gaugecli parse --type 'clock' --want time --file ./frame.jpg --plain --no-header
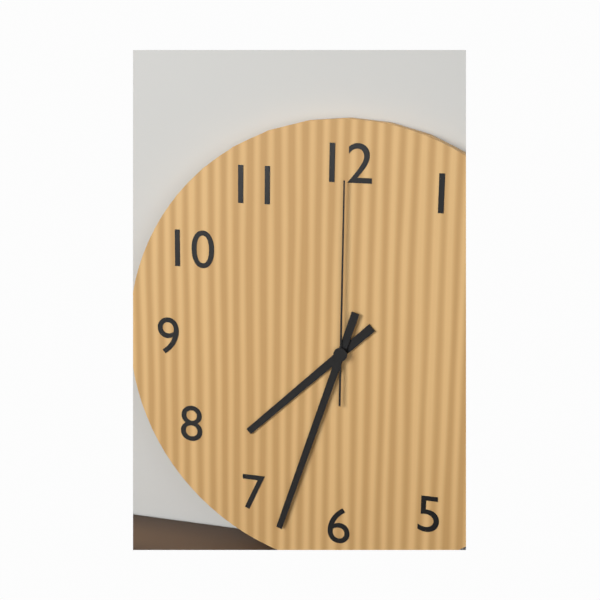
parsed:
7:33:00
